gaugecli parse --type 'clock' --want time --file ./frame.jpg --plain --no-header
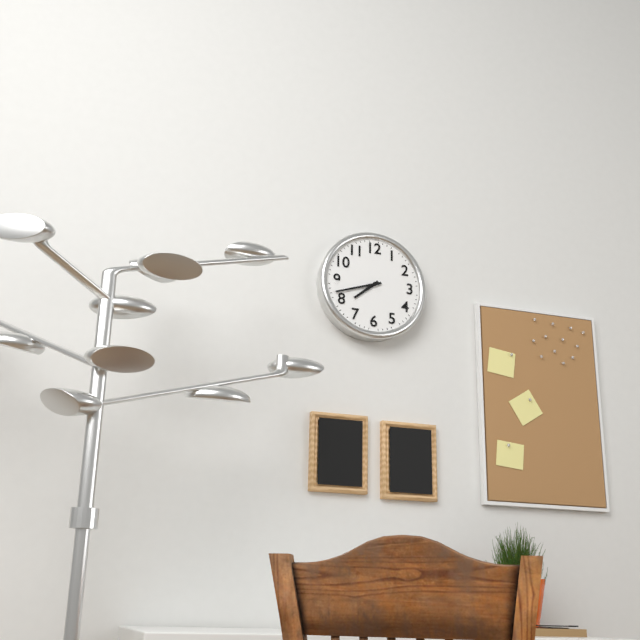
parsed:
7:42
